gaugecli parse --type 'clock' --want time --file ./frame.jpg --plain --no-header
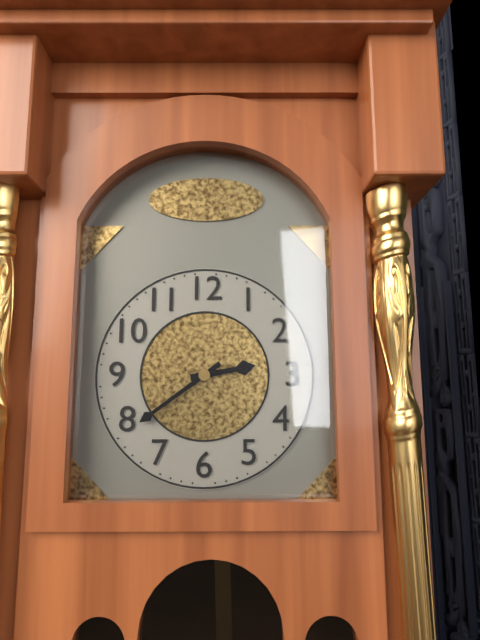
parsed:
2:39
